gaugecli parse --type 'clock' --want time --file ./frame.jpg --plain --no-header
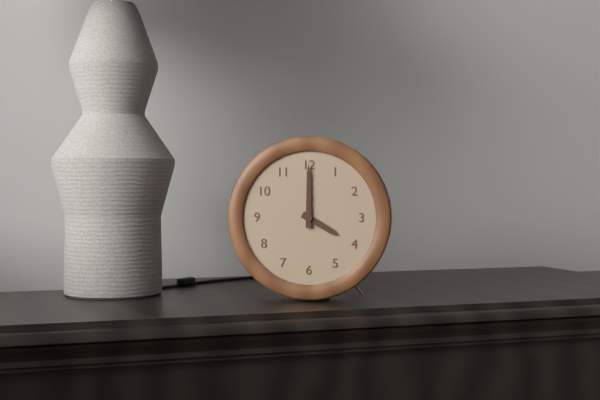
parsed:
4:00
